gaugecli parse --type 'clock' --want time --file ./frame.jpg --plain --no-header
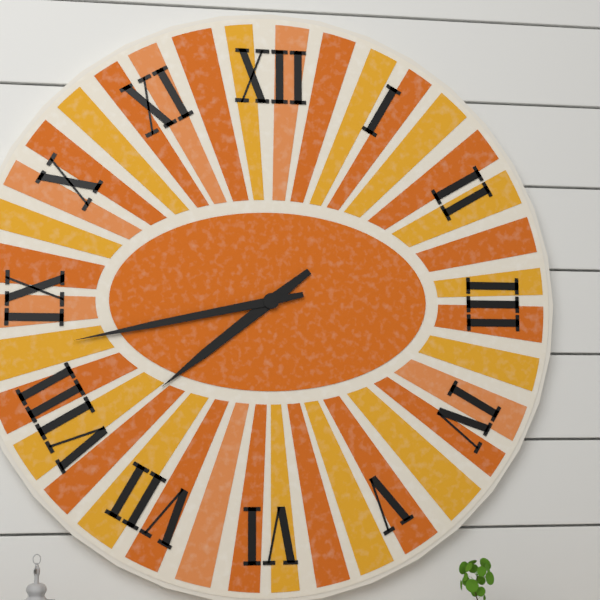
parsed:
7:43
